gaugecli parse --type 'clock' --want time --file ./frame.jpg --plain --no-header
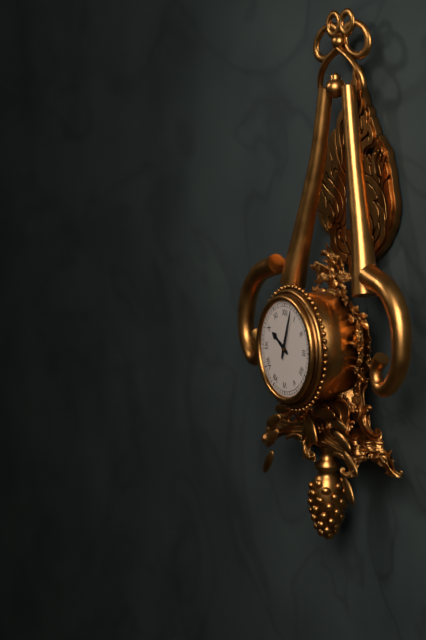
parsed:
10:03
